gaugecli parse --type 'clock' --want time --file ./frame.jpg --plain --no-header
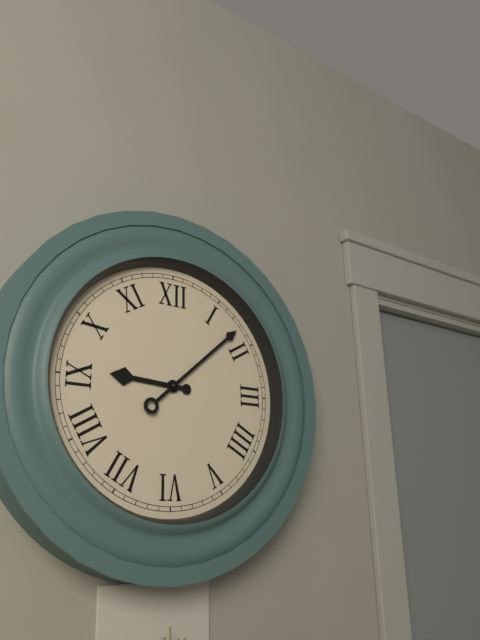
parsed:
9:08
